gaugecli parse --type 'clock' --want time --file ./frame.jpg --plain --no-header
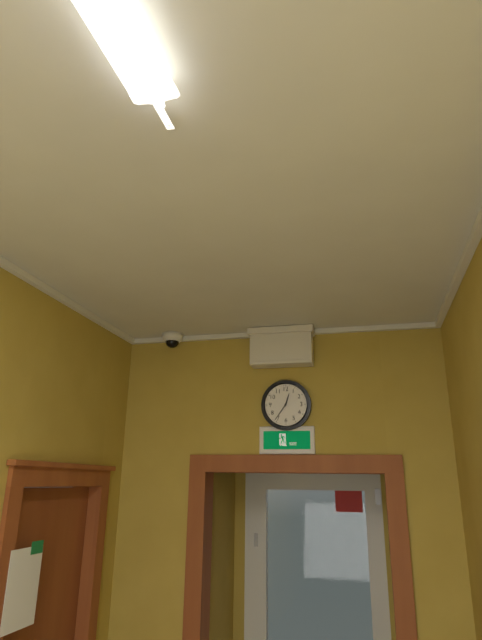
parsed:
12:36
